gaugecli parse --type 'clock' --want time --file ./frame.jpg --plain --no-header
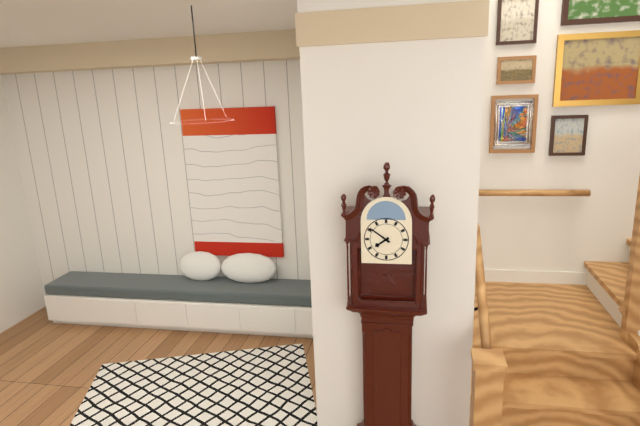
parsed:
7:51
